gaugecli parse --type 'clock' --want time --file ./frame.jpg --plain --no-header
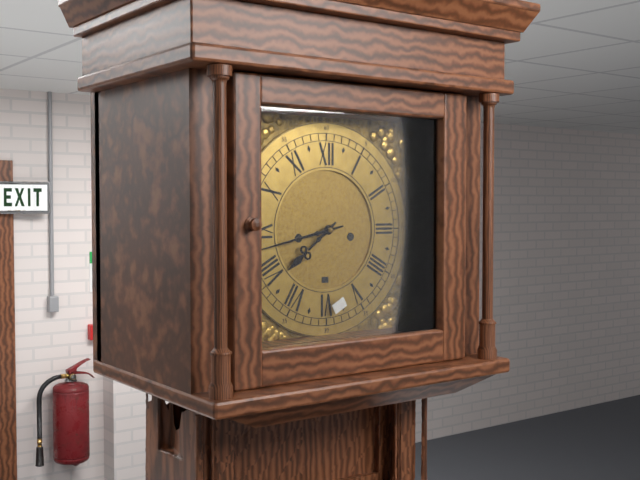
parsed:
7:43
